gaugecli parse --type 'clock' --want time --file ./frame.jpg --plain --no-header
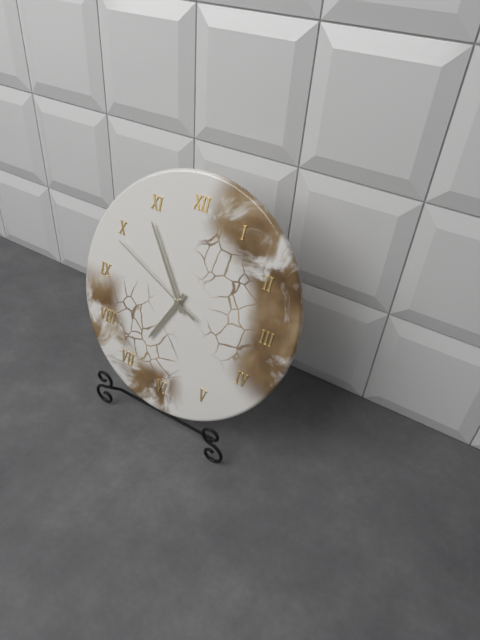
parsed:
6:54:49
